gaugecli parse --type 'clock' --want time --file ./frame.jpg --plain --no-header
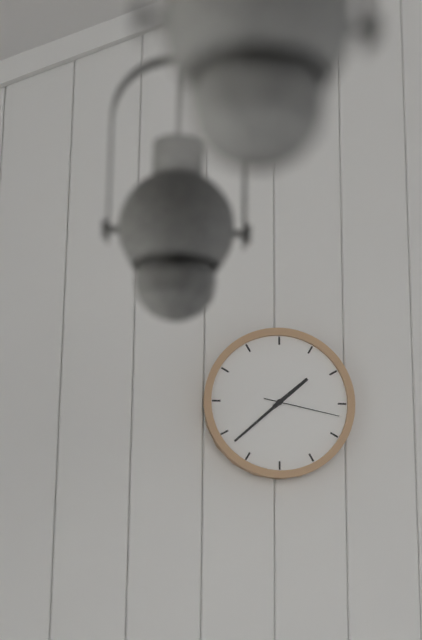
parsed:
1:38:17
